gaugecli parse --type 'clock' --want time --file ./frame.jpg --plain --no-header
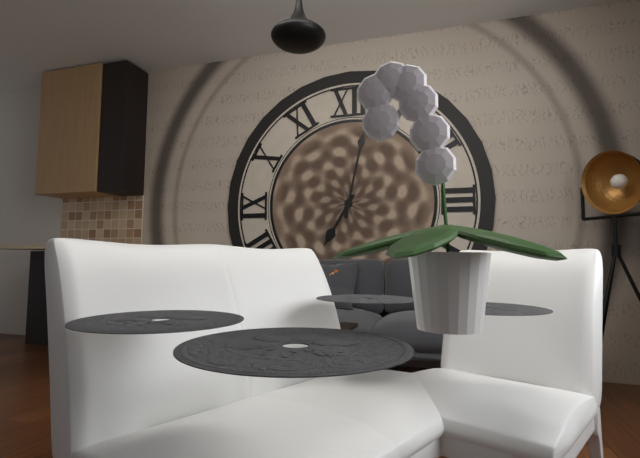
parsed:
7:02
